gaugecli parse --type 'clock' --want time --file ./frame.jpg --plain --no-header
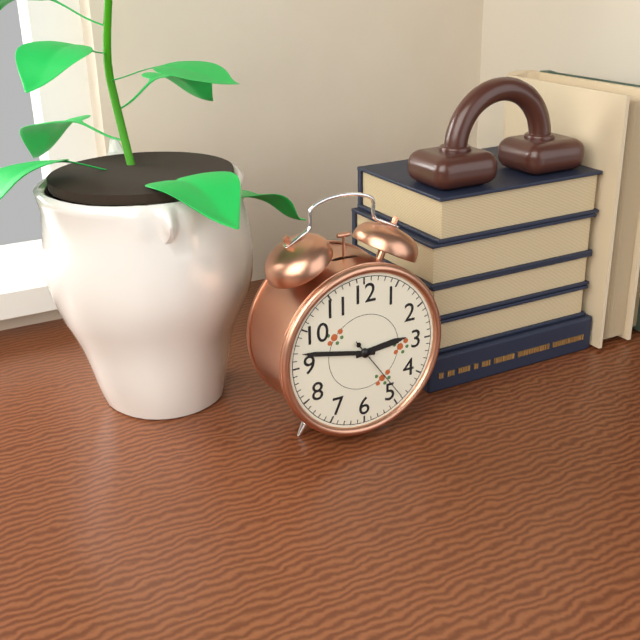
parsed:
2:47:24
